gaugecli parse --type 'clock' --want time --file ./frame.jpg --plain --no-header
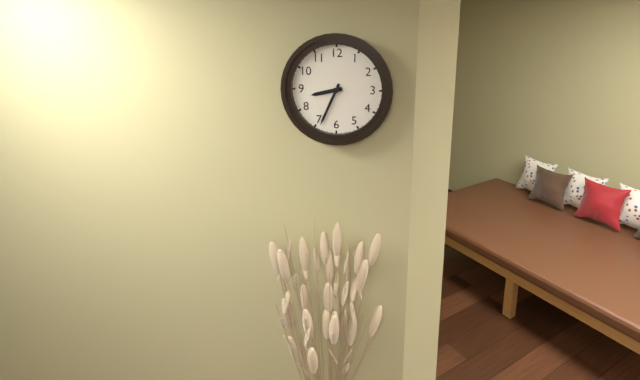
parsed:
8:34
